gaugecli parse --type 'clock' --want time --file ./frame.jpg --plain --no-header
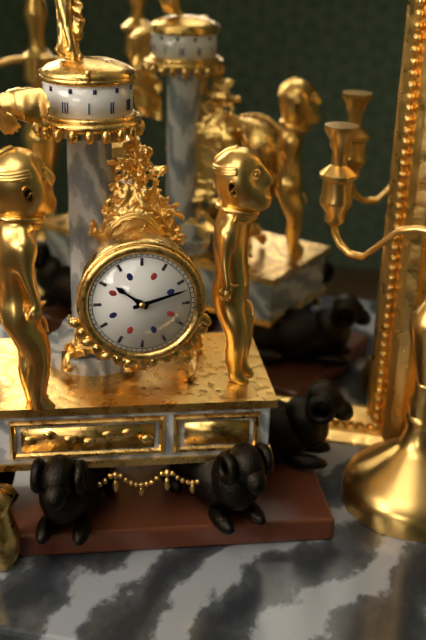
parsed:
10:12
